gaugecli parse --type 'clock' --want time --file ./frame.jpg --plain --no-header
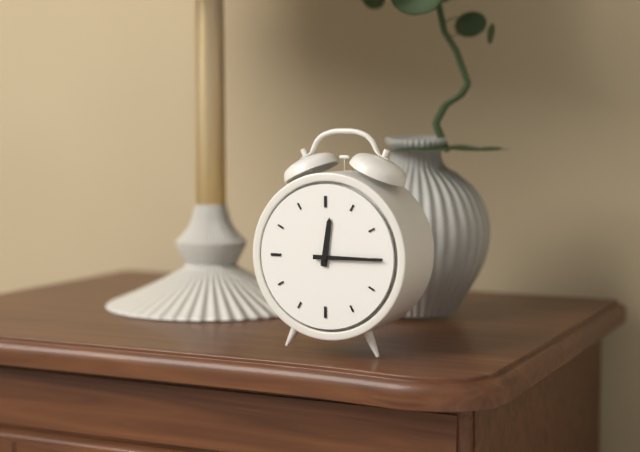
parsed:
12:15
